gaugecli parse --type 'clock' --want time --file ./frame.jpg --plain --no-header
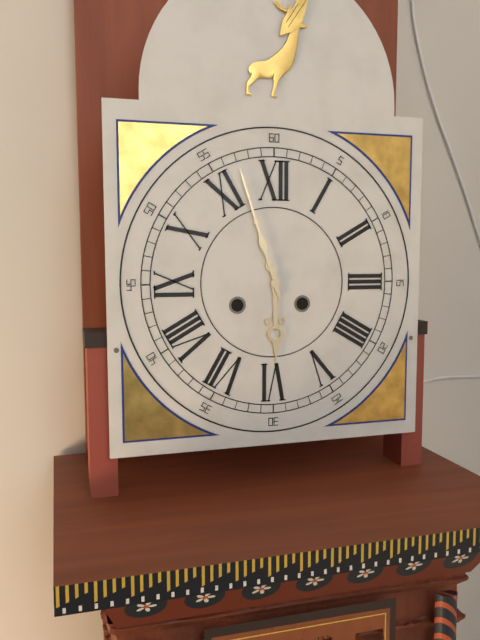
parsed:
5:57
